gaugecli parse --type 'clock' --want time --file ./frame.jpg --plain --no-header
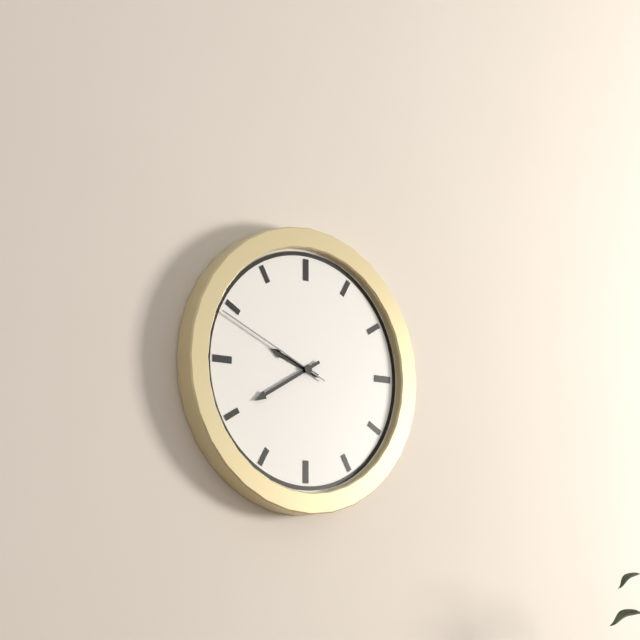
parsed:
9:40:49
